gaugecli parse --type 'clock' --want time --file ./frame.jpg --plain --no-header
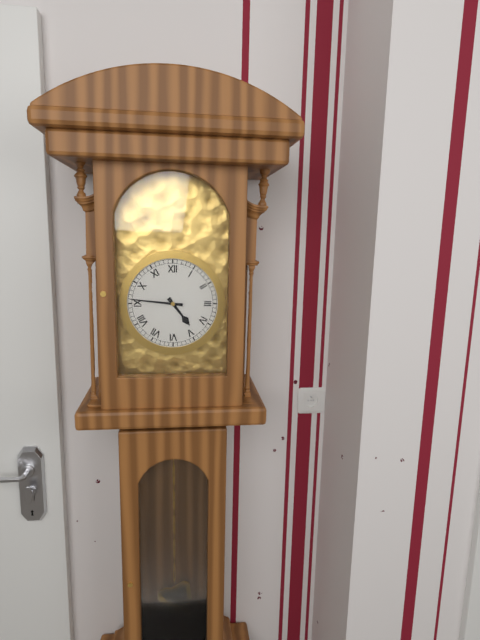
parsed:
4:46
